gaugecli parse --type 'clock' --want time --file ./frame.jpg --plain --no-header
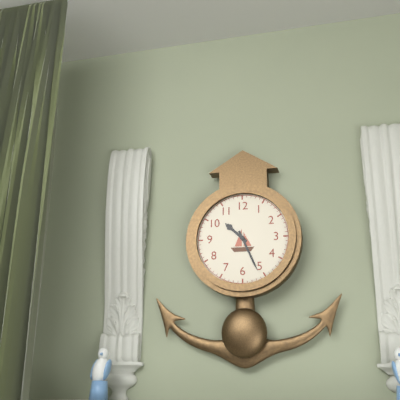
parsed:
10:26
